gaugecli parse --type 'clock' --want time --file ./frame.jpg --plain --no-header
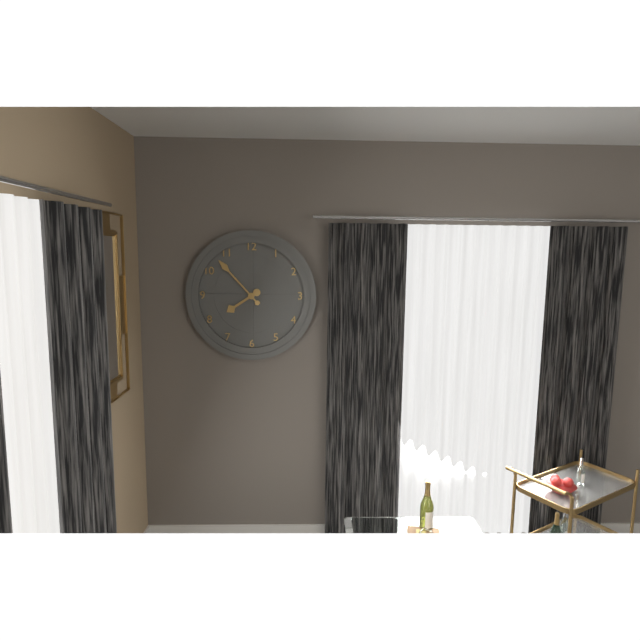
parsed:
7:53
